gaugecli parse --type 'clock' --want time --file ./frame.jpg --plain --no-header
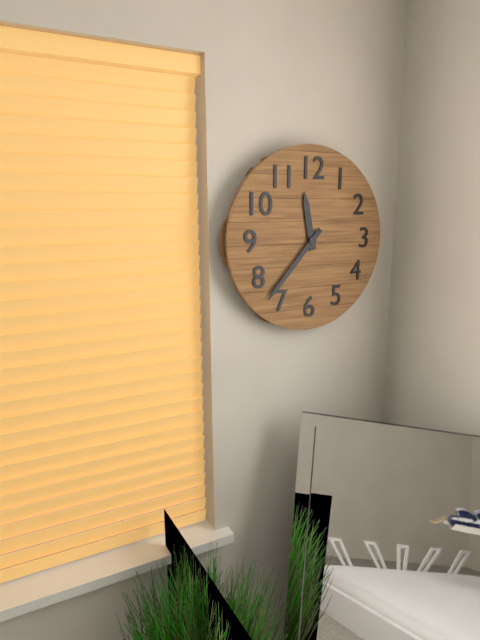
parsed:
11:37
